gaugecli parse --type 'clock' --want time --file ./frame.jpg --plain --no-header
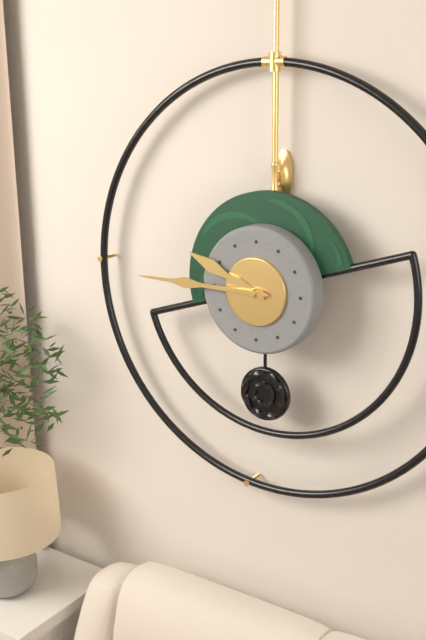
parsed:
9:45
